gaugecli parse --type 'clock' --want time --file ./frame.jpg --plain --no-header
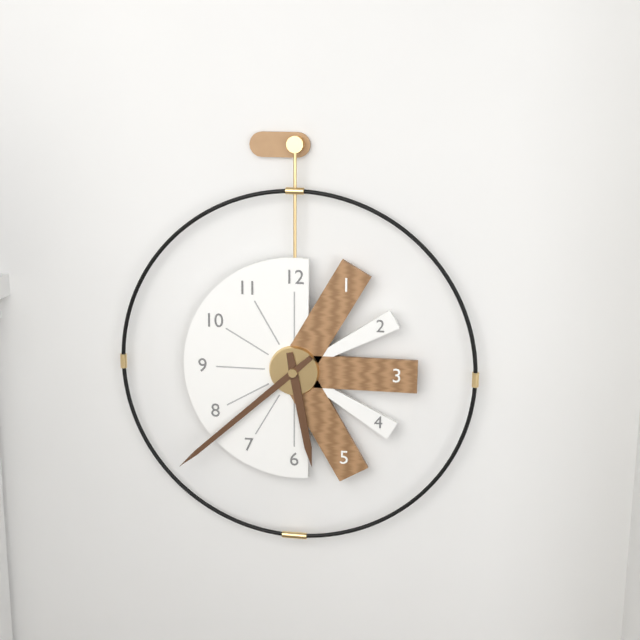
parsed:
5:38
